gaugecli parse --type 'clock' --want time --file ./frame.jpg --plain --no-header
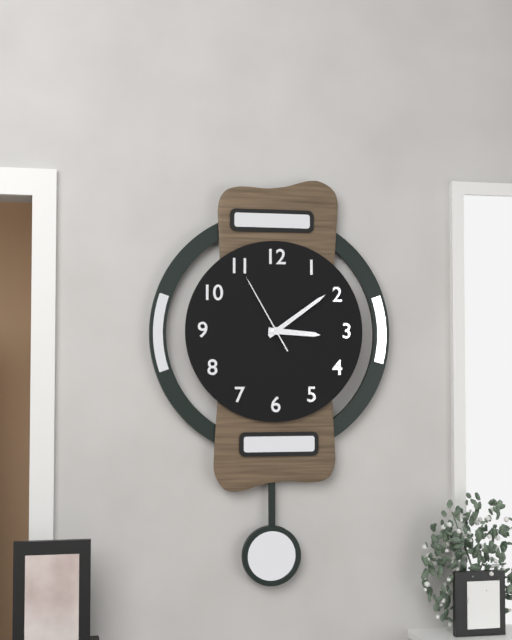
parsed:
3:09:55
